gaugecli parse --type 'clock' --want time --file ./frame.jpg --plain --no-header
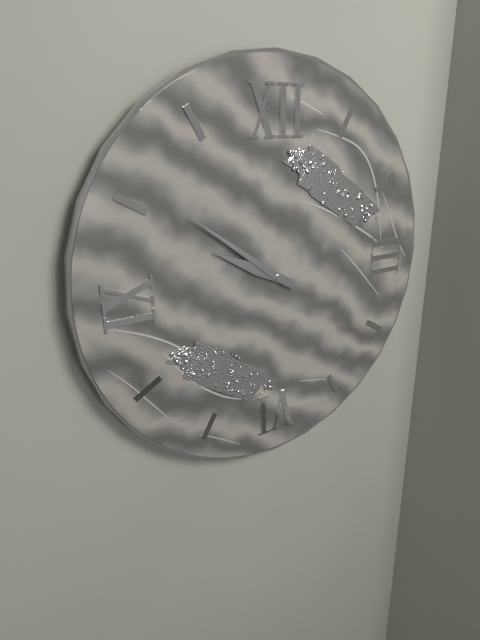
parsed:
9:51
